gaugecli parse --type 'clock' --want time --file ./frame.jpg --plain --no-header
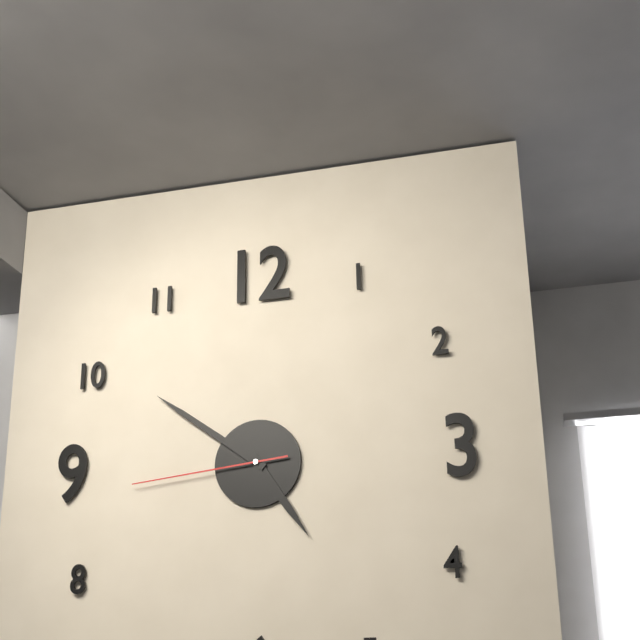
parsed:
4:51:44
